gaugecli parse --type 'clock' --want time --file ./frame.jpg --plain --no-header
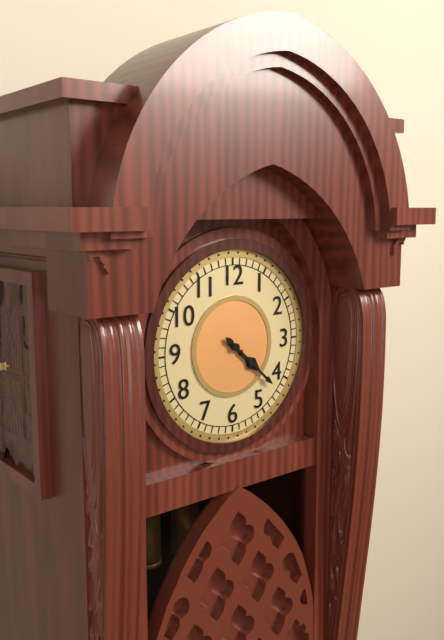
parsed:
4:22
